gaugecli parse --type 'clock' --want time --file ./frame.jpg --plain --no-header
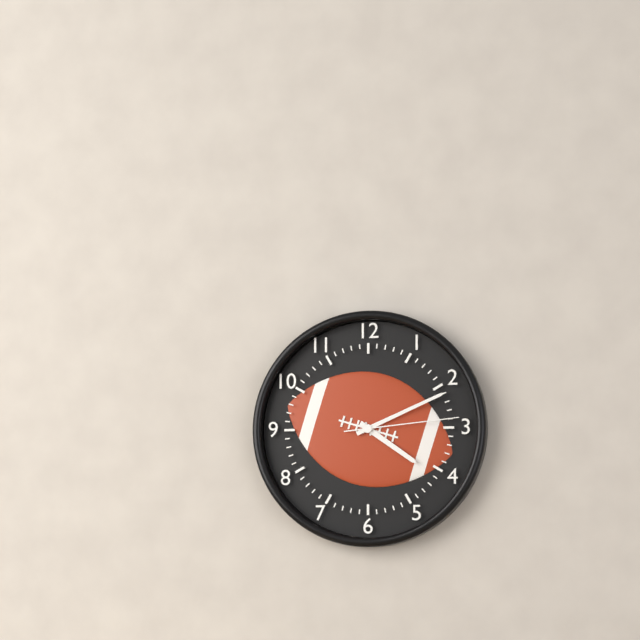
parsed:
4:11:14
